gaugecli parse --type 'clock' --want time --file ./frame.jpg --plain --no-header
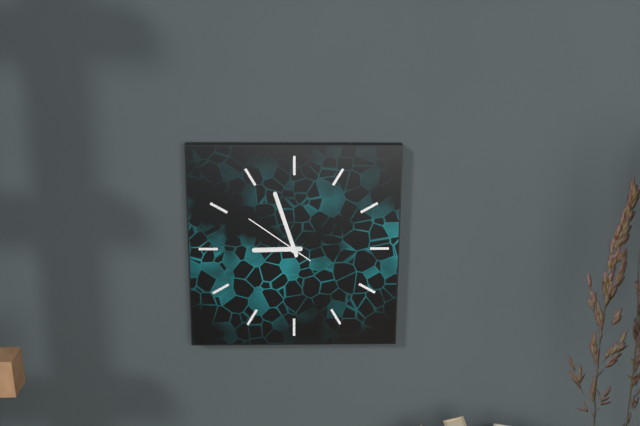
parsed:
8:57:51
